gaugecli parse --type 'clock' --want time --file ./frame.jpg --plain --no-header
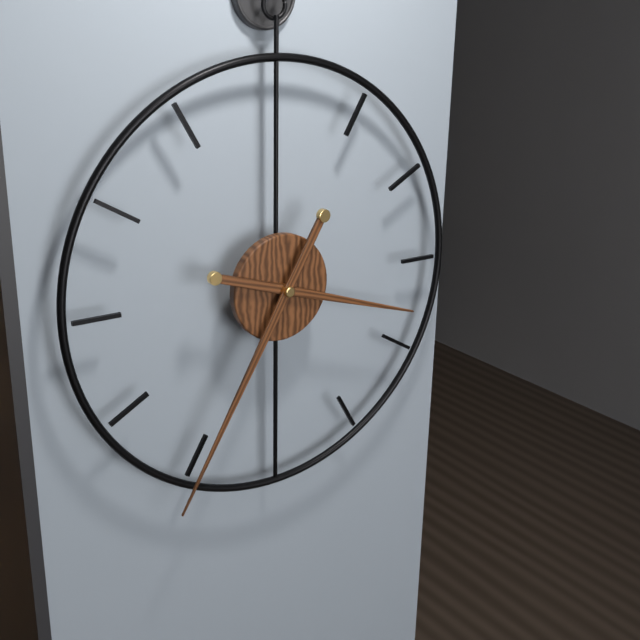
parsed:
3:35
